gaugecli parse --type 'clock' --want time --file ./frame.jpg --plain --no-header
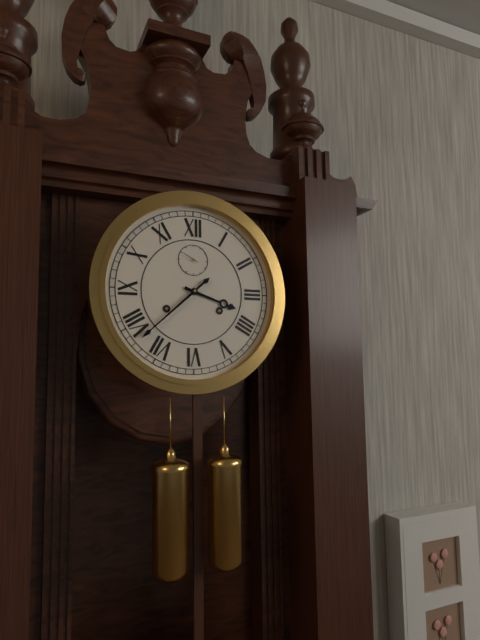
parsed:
3:38
